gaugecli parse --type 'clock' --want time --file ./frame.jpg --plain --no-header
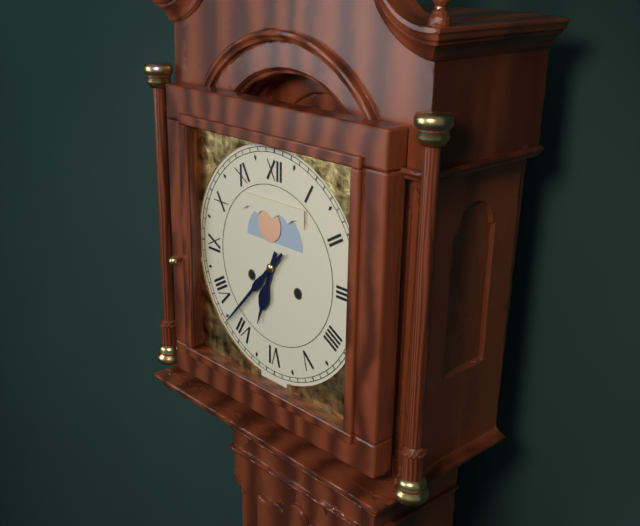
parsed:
6:37
